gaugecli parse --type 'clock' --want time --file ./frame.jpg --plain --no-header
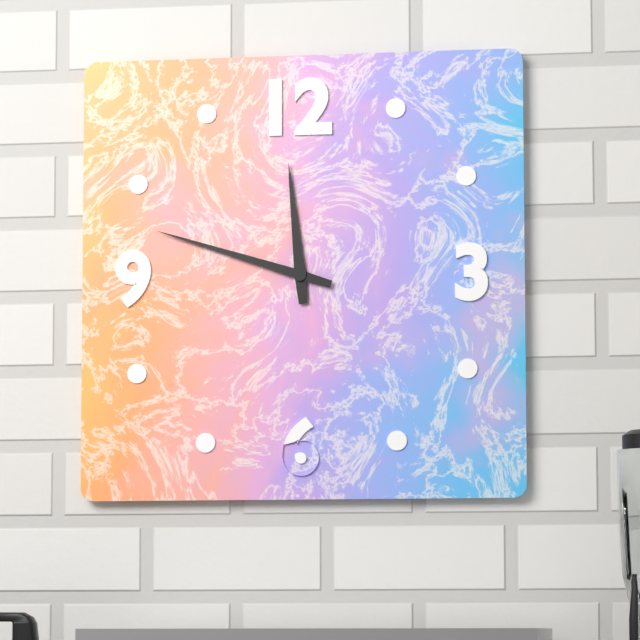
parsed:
11:48
